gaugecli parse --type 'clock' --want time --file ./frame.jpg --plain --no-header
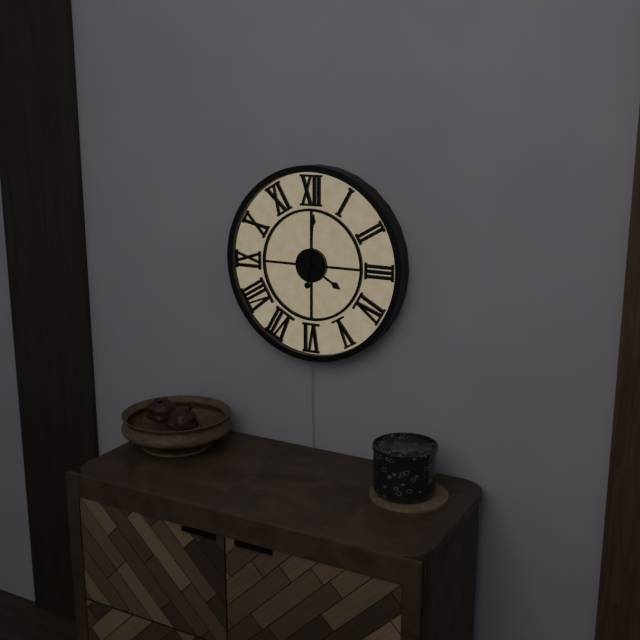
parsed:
4:01
